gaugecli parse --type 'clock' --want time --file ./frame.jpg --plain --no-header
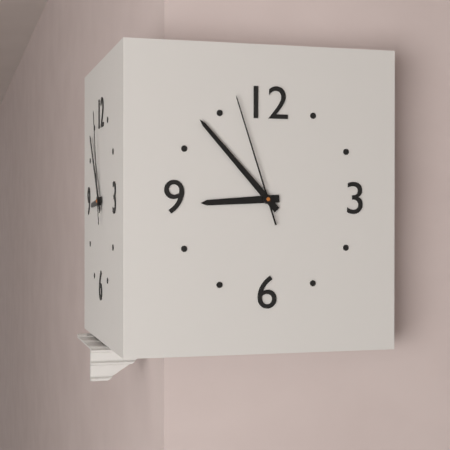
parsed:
8:53:57
